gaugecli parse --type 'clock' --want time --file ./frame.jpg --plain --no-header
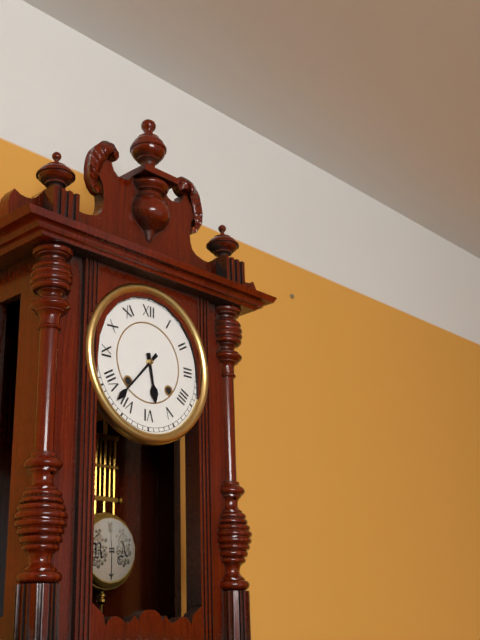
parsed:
5:37
